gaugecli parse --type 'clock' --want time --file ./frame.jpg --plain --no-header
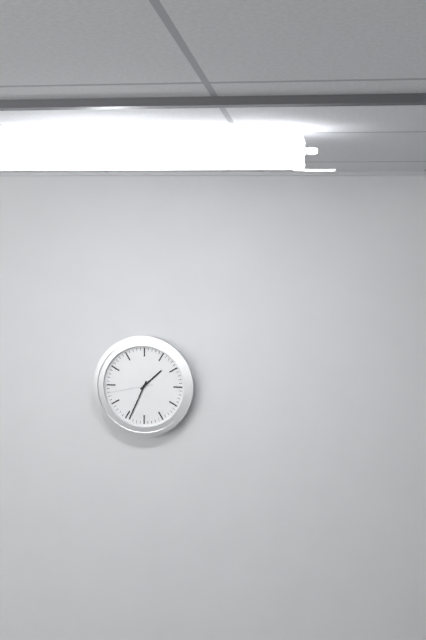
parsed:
1:34
